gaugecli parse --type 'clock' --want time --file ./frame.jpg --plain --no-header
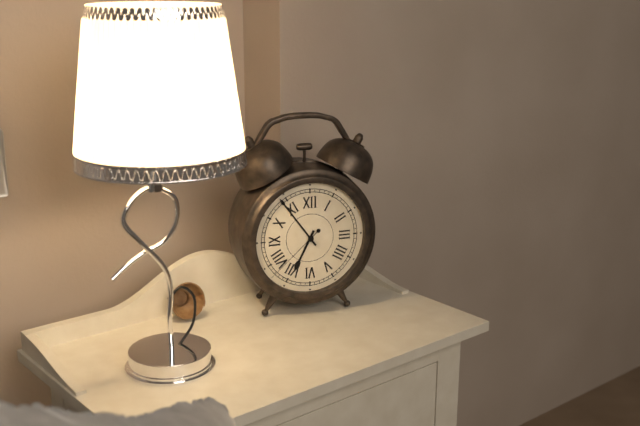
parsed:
6:54:38
